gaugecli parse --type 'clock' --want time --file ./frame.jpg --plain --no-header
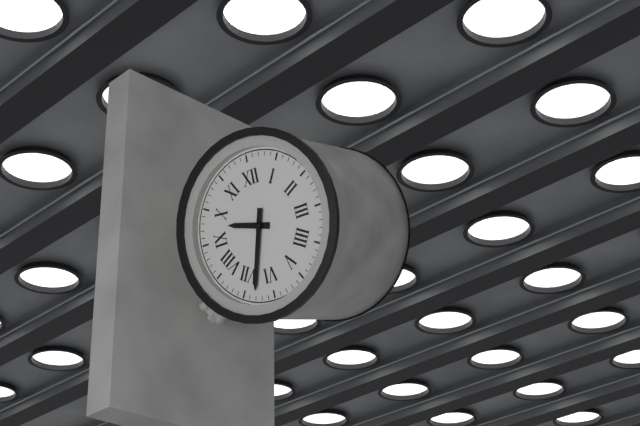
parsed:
9:33
